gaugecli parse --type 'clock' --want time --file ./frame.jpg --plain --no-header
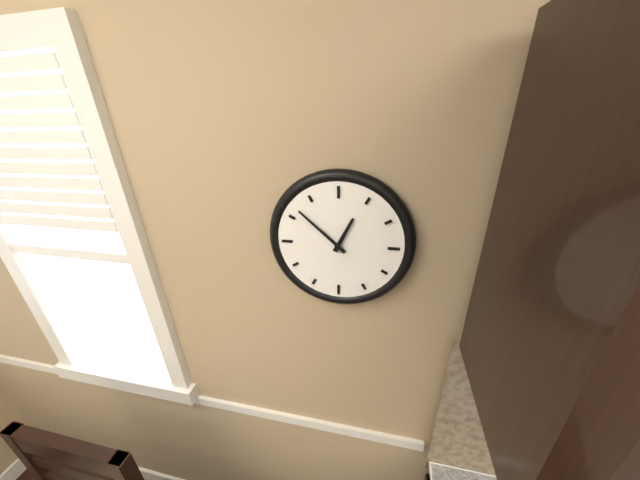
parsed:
12:52
